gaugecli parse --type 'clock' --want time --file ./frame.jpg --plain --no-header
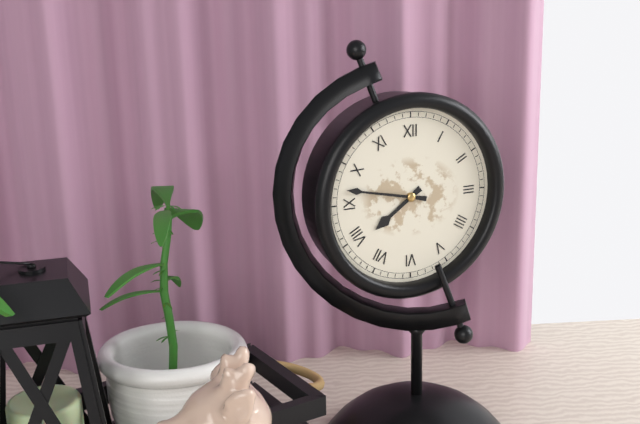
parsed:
7:47
